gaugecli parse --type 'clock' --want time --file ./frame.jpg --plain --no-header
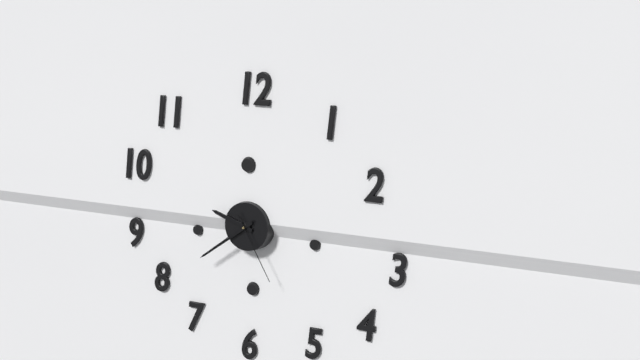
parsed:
9:39:25
